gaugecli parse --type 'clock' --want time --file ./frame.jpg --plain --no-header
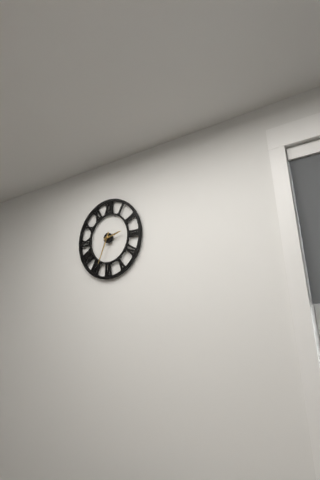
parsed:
2:34
